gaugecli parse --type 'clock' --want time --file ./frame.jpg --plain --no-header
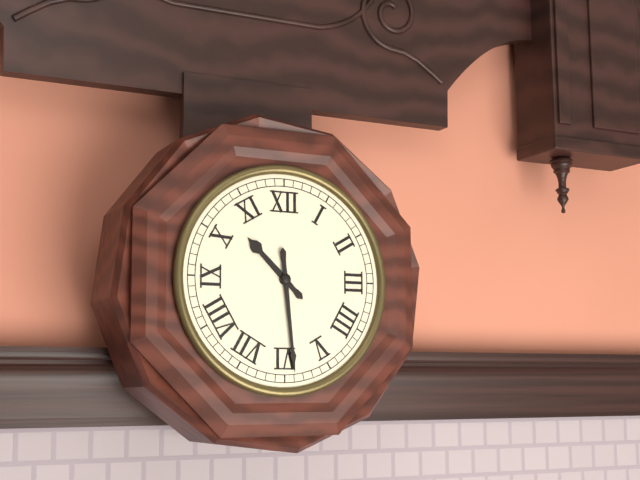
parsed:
10:29
